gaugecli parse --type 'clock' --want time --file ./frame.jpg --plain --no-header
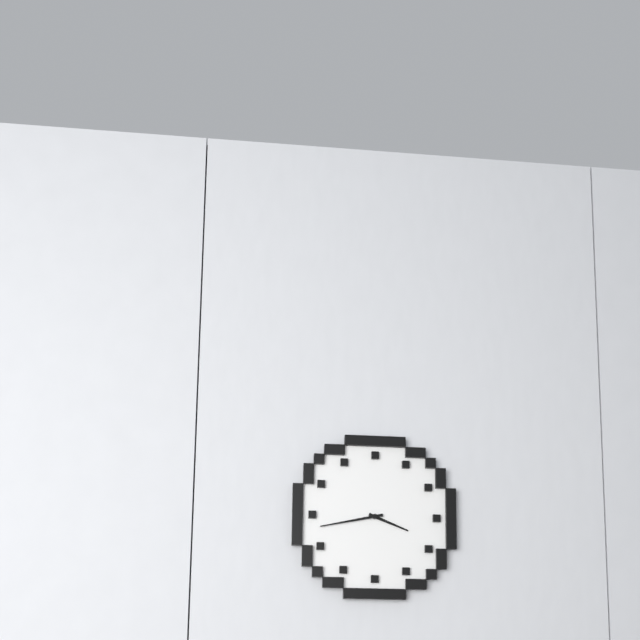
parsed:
3:43
